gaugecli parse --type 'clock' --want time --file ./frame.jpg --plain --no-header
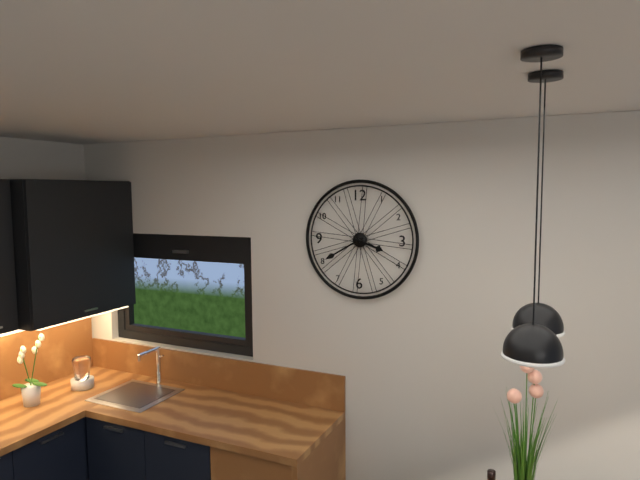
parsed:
3:40
